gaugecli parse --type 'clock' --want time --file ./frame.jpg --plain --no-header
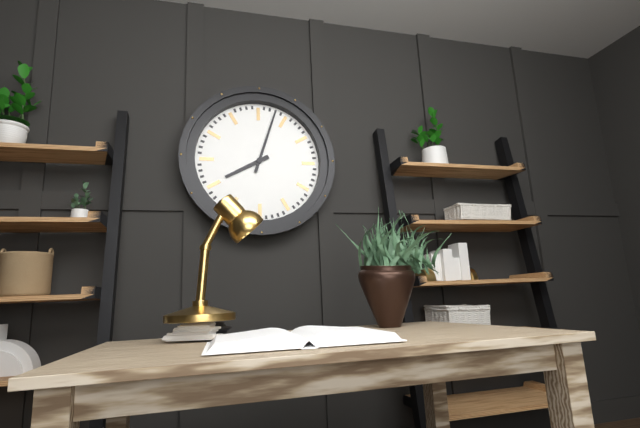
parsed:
8:03
